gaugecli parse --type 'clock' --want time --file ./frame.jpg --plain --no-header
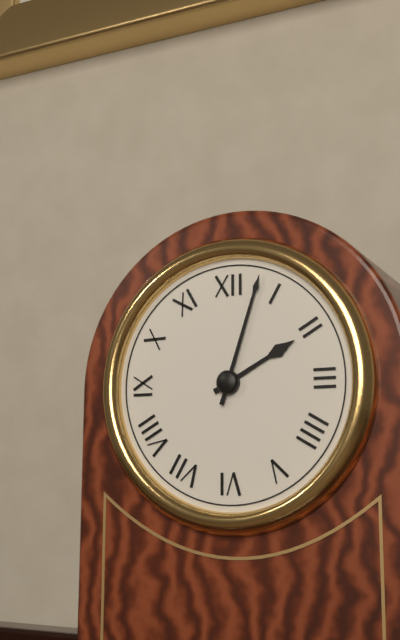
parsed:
2:03
